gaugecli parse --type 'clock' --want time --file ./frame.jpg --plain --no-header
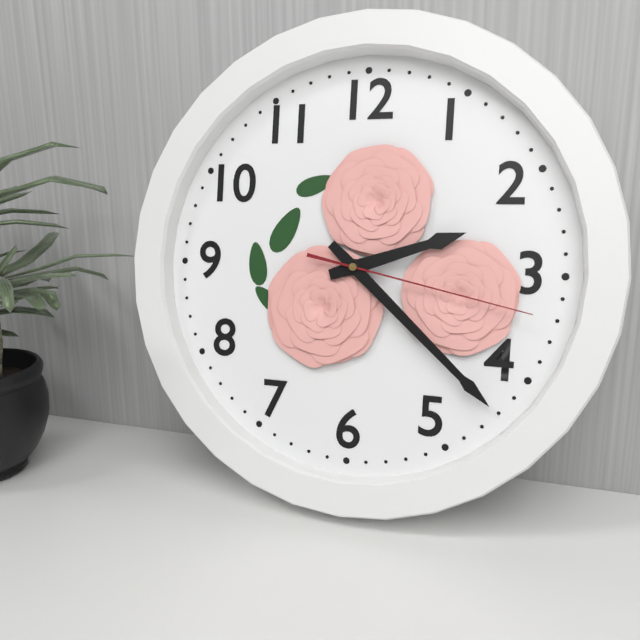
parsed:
2:22:17
